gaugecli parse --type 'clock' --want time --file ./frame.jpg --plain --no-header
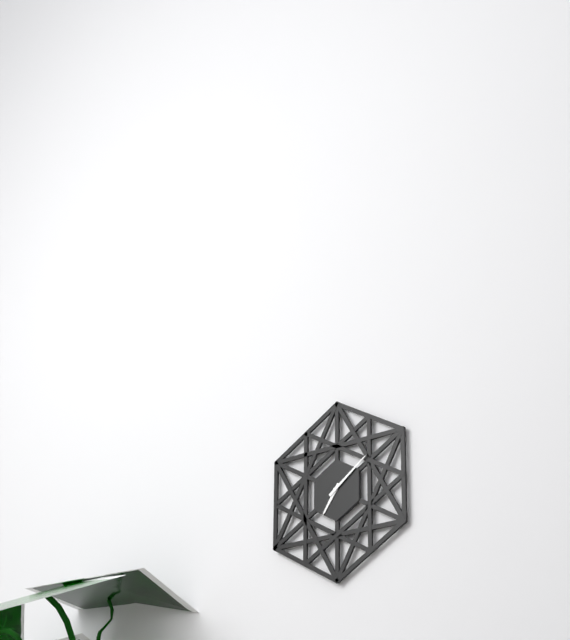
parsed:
7:09
